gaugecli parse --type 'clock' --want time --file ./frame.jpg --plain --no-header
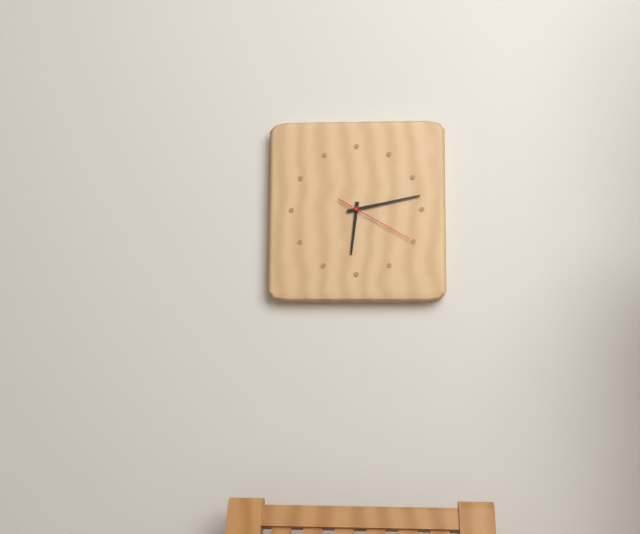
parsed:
6:13:20
